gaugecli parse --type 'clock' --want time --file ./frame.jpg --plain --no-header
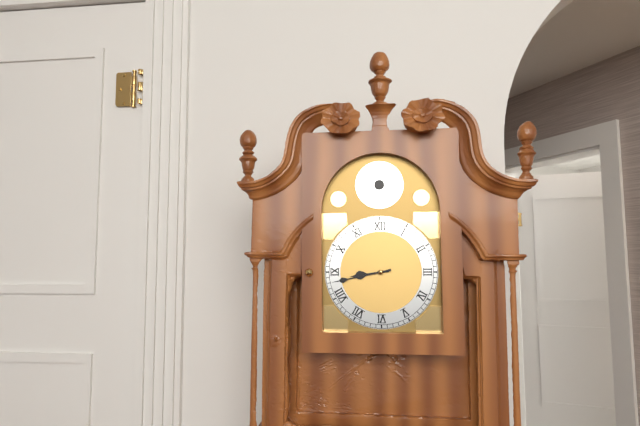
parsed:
8:43
